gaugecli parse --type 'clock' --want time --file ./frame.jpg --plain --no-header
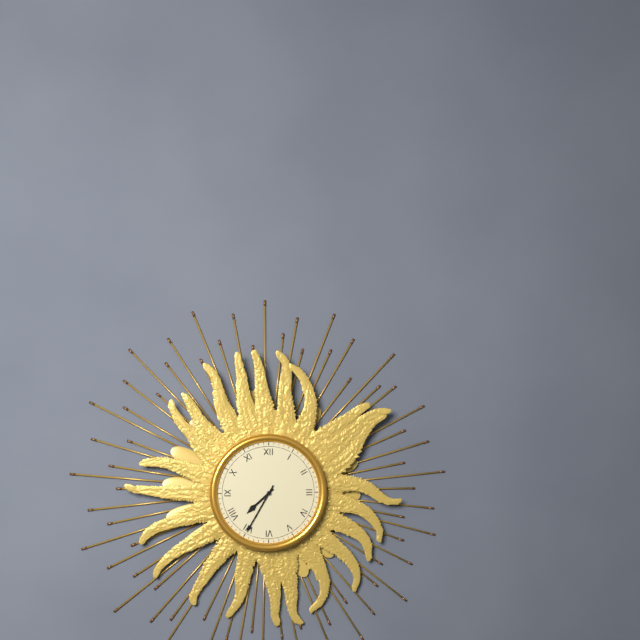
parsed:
7:35
